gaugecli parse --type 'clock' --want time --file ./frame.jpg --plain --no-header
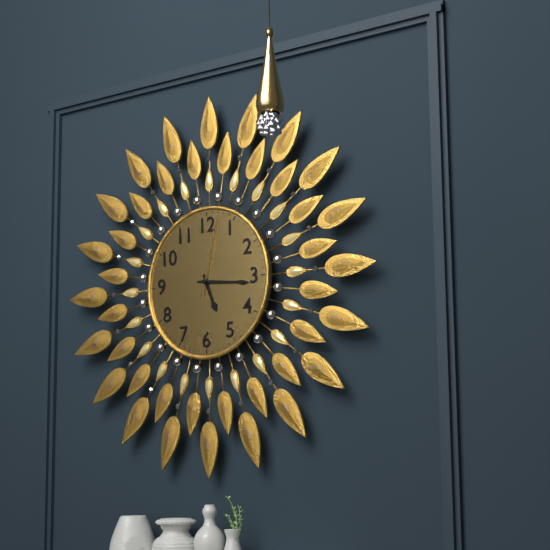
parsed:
5:16:02
